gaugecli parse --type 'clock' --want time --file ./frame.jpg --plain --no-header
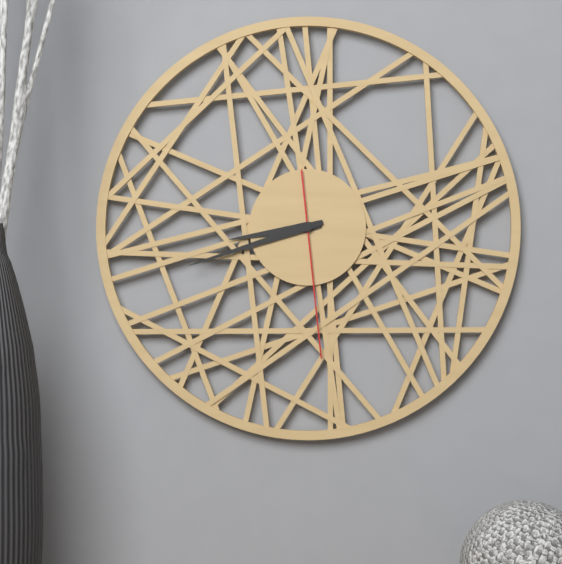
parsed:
8:42:29
